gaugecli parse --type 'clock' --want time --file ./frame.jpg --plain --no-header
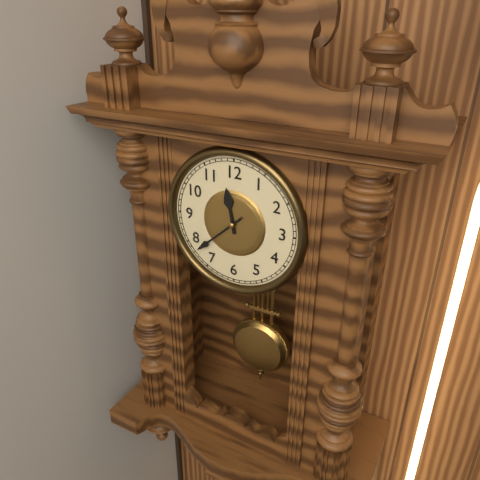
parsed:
11:38
